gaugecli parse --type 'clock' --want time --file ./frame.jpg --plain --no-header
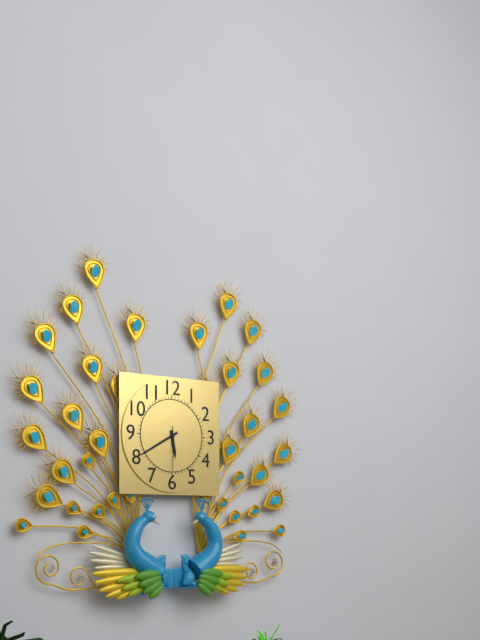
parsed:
5:40
